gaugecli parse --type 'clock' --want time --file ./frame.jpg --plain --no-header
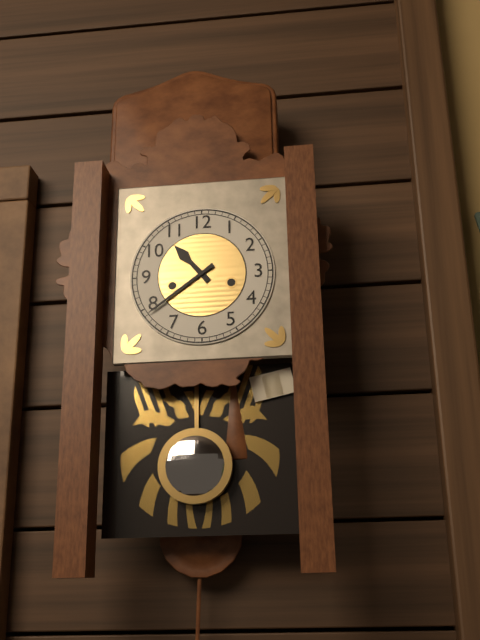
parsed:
10:39
